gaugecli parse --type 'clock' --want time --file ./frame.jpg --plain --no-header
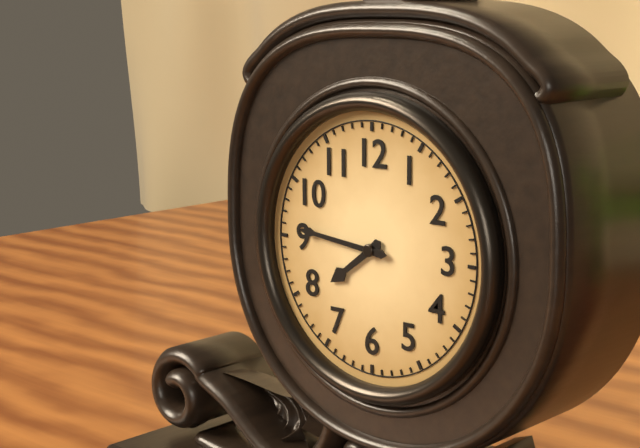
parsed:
7:46
